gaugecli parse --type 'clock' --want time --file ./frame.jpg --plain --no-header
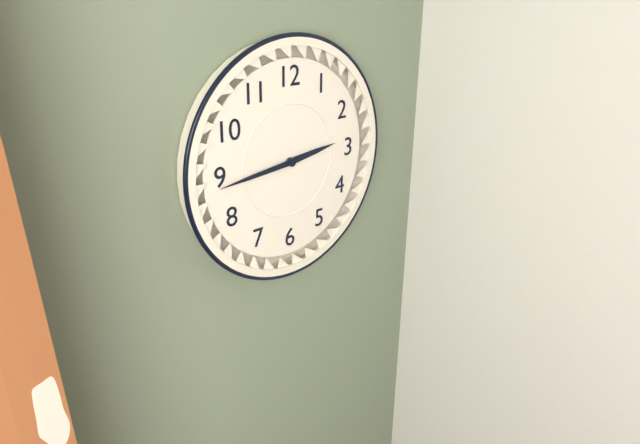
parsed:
2:44
